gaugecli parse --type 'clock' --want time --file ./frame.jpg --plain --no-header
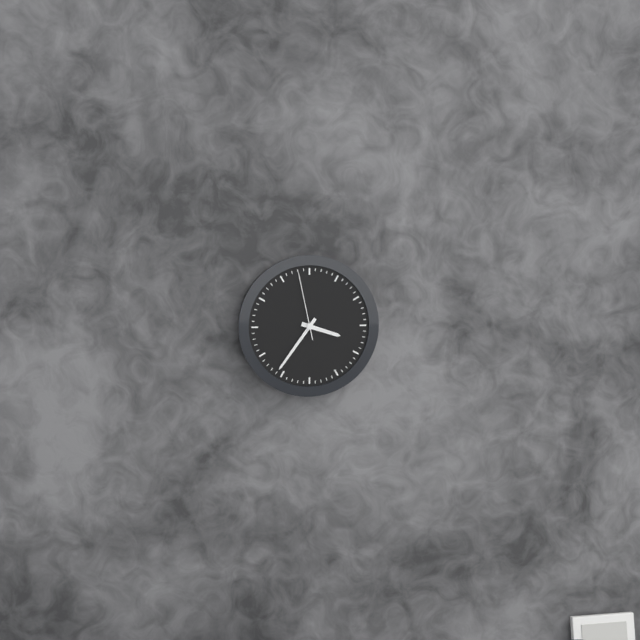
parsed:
3:36:58
